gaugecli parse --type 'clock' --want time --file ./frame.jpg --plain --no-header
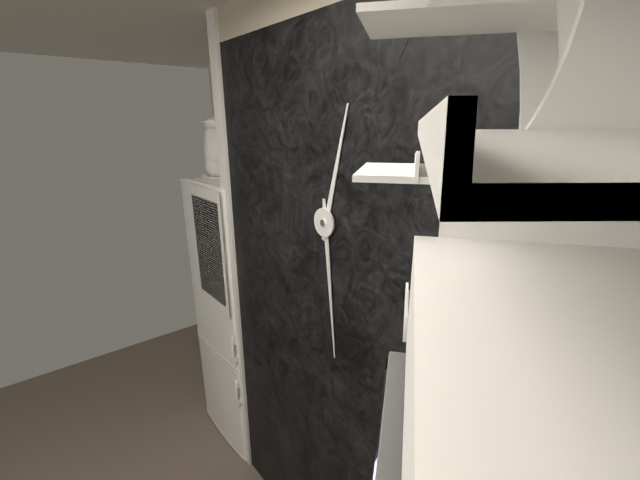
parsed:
12:29
